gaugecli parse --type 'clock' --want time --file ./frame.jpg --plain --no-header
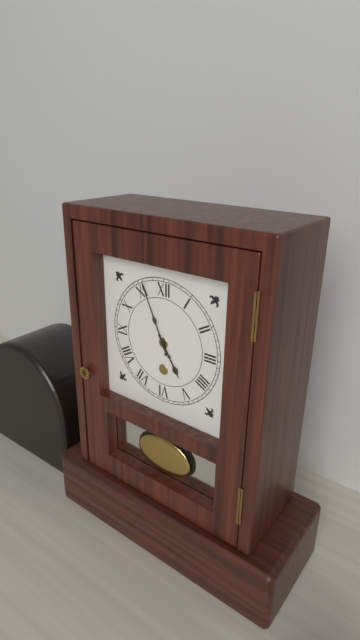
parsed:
4:56
